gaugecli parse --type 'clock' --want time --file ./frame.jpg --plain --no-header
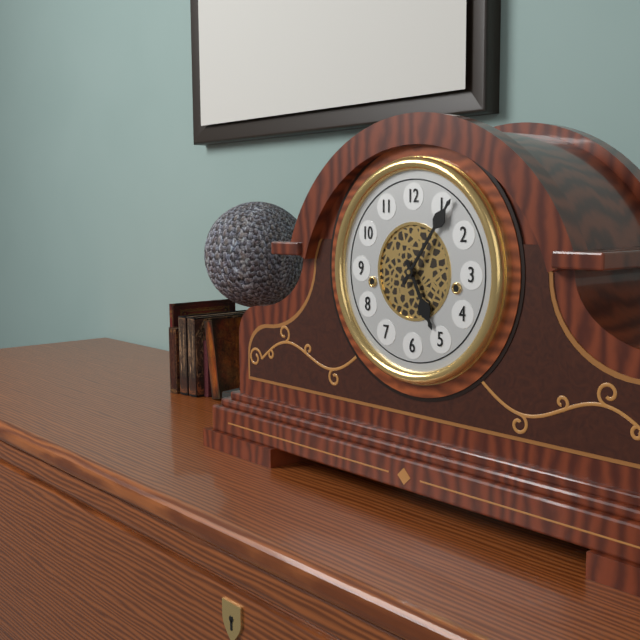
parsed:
5:06
